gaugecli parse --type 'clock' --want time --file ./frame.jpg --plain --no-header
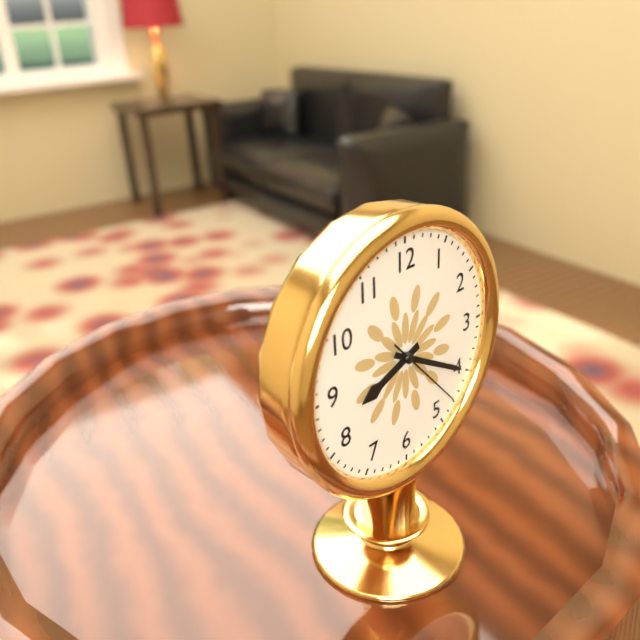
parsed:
8:20:23
